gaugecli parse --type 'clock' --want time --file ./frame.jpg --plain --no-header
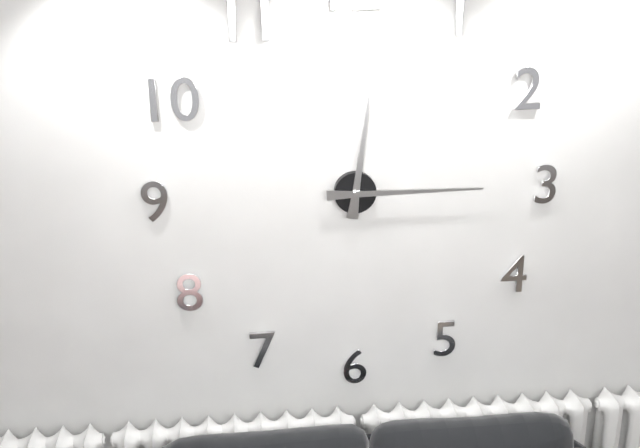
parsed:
12:15
